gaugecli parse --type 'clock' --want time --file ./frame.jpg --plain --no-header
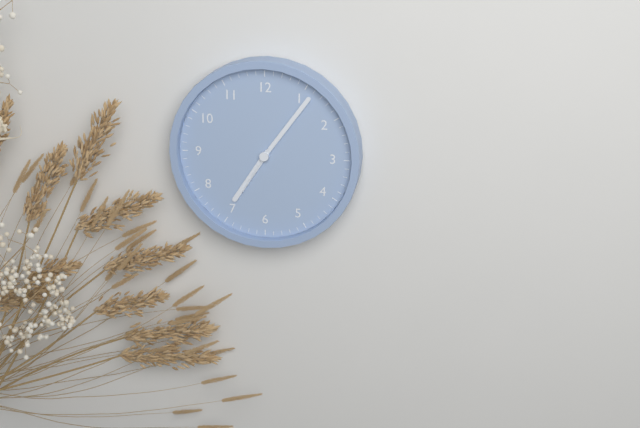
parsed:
7:06:35
